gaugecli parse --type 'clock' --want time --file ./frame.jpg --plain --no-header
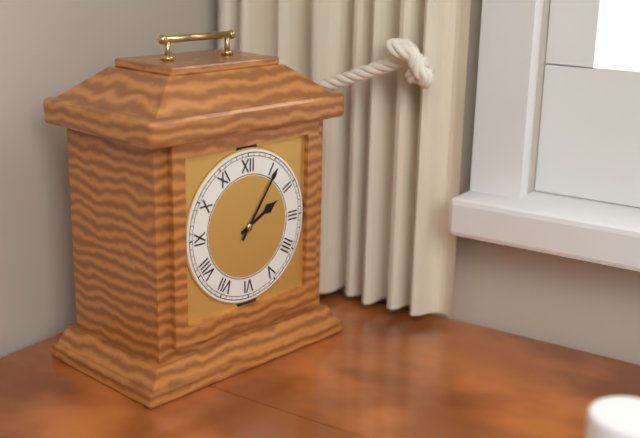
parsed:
2:06
